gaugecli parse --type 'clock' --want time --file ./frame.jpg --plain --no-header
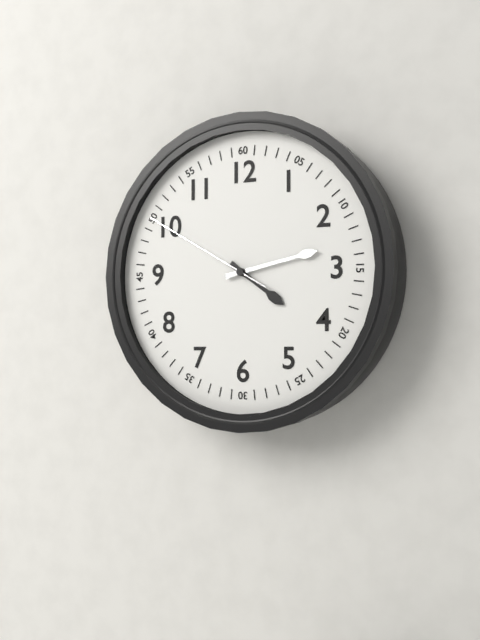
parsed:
4:13:50
